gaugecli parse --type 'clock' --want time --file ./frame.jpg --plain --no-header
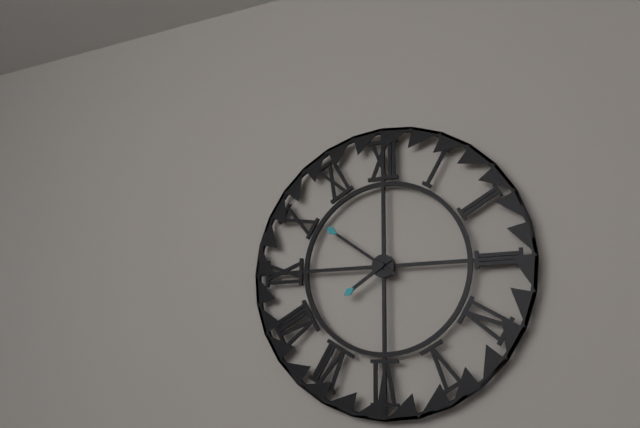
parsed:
7:51
